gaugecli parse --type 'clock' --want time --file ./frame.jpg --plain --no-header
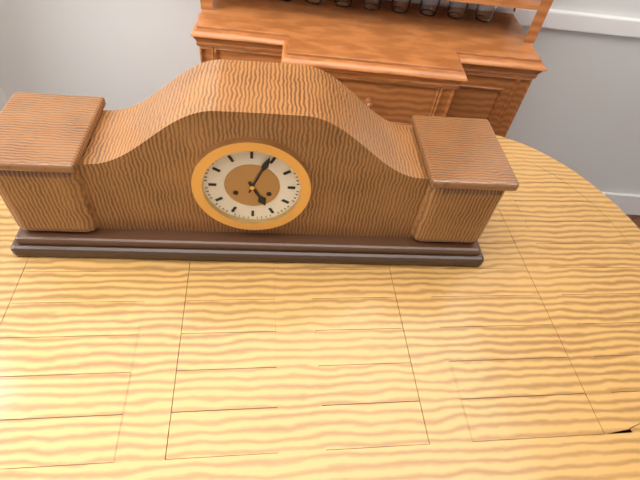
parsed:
5:04
